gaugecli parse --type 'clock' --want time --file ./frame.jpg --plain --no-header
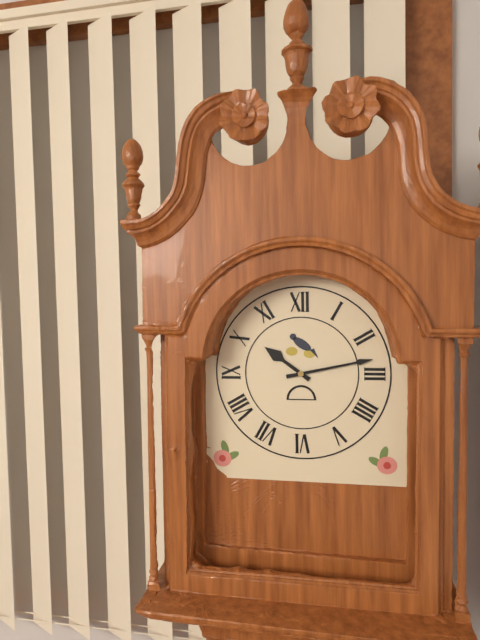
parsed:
10:13
